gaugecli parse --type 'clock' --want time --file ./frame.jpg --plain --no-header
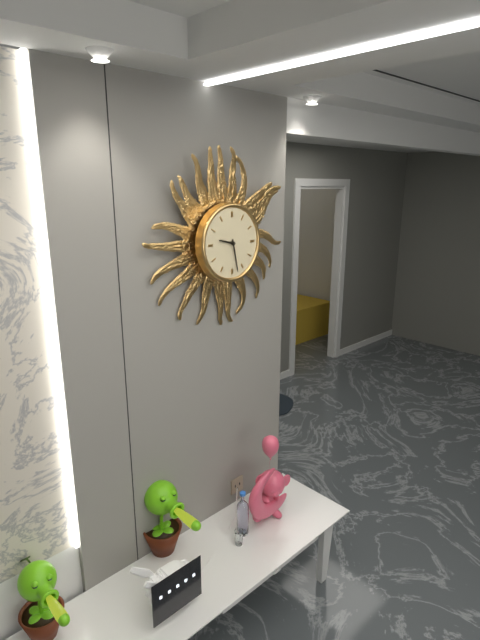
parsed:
9:28
